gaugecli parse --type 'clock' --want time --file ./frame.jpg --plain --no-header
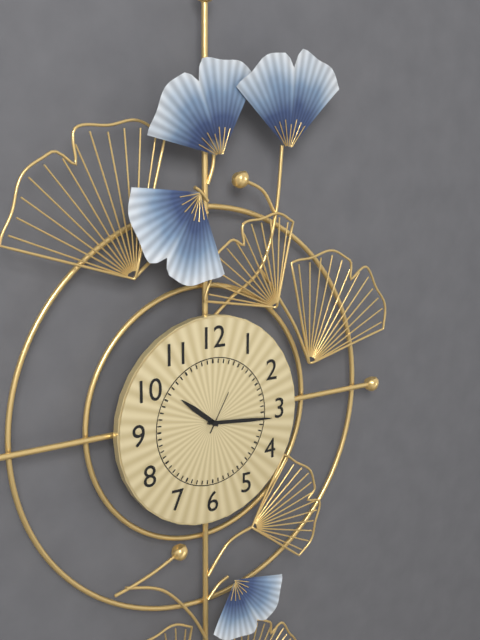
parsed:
10:16
